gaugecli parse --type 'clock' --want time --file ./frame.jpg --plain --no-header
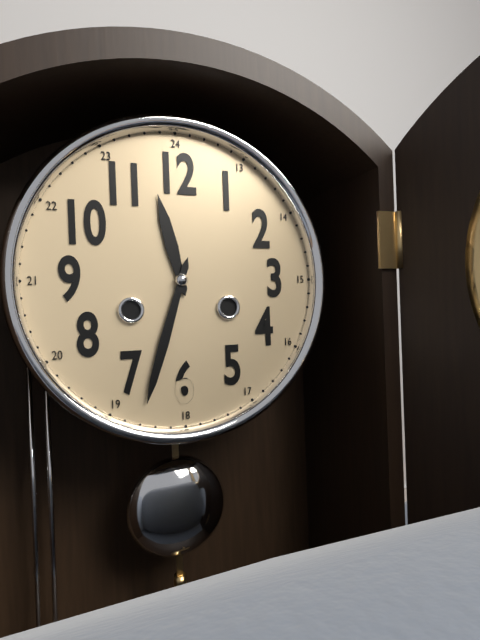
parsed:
11:33
